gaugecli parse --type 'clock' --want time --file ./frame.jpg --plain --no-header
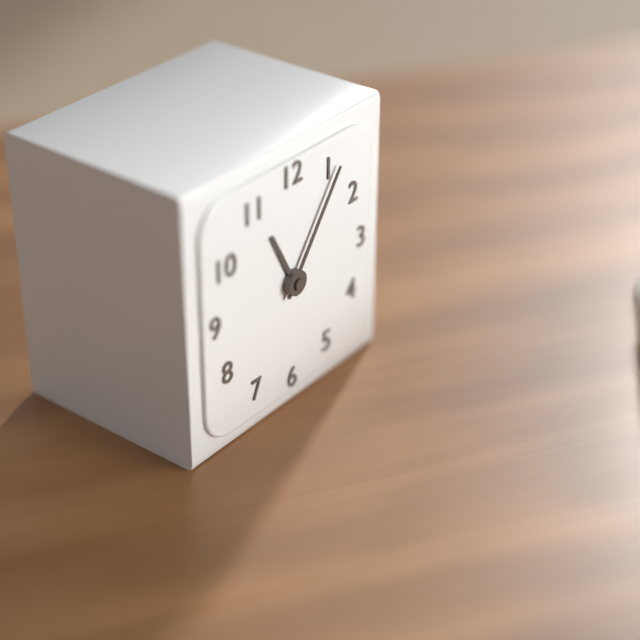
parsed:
11:06
